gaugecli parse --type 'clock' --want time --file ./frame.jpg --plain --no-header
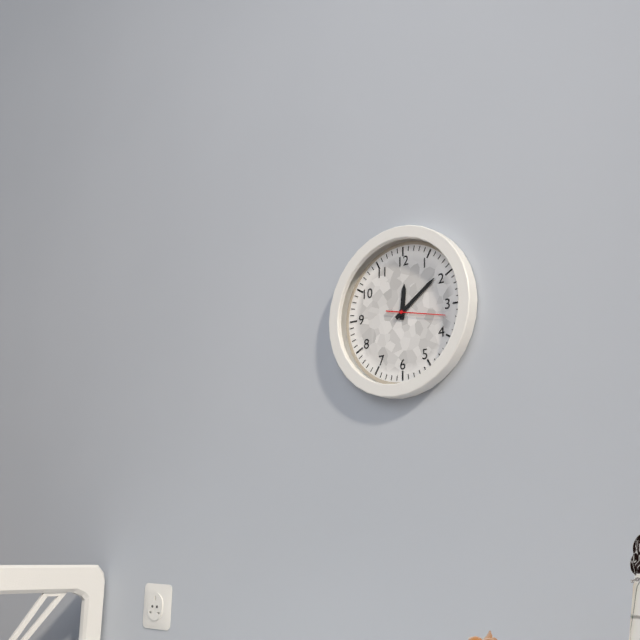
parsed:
12:09:17
